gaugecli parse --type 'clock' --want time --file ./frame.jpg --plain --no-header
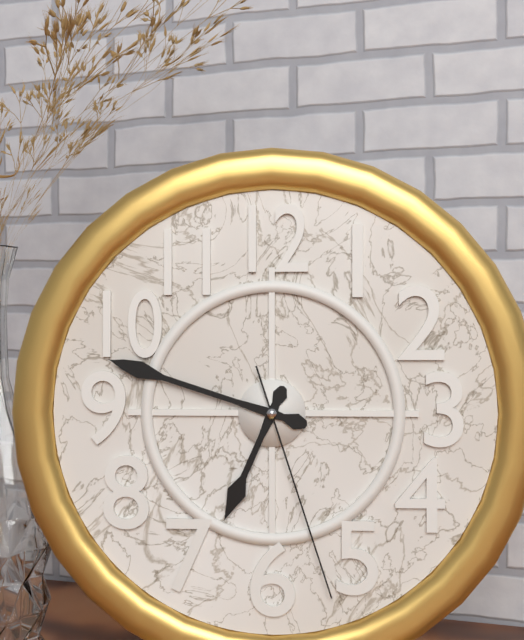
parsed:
6:48:27
